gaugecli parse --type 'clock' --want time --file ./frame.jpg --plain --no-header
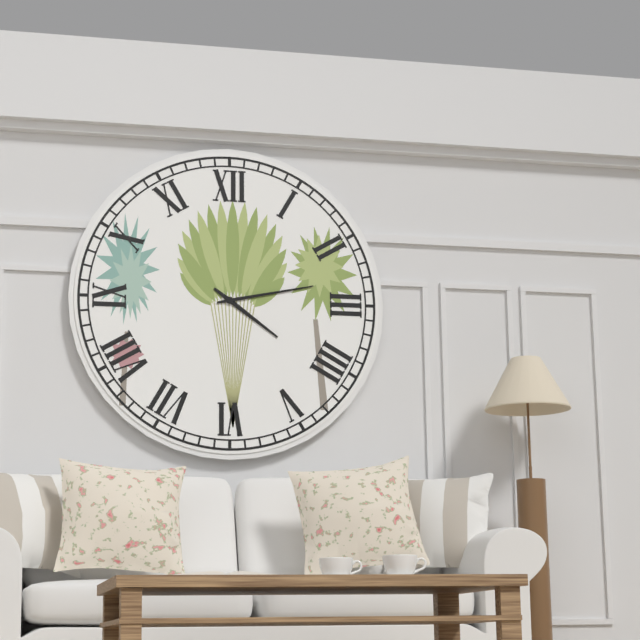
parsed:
4:13
